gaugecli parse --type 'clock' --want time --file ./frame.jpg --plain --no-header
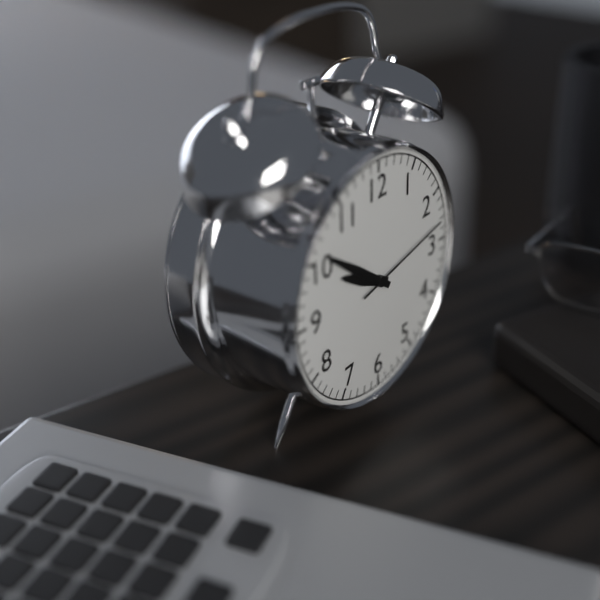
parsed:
9:51:13
